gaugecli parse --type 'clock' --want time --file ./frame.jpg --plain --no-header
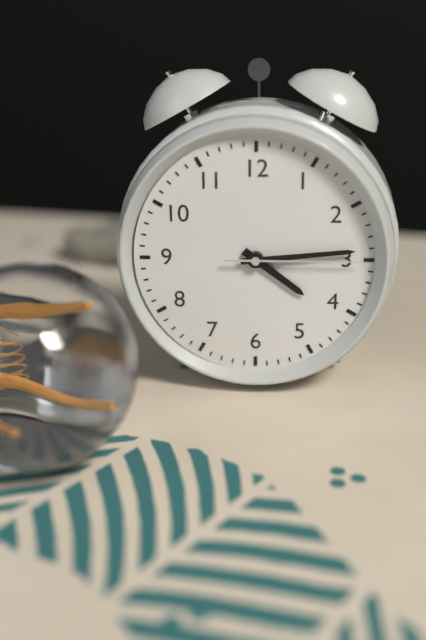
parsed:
4:14:15
